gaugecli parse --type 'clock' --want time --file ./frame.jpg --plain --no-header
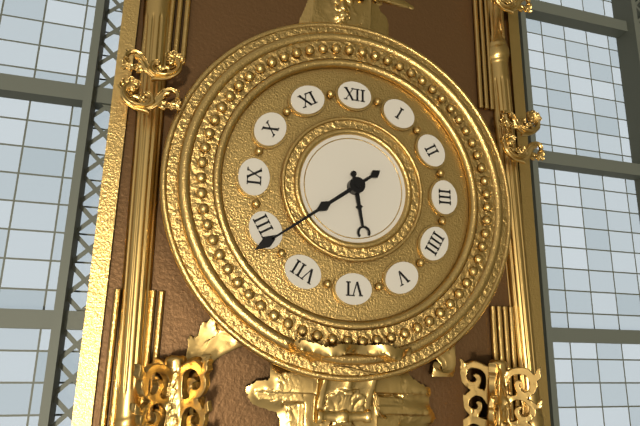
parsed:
5:39
